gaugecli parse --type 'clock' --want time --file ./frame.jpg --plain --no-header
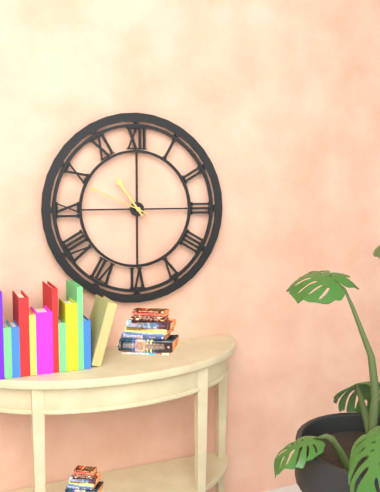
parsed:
10:49
